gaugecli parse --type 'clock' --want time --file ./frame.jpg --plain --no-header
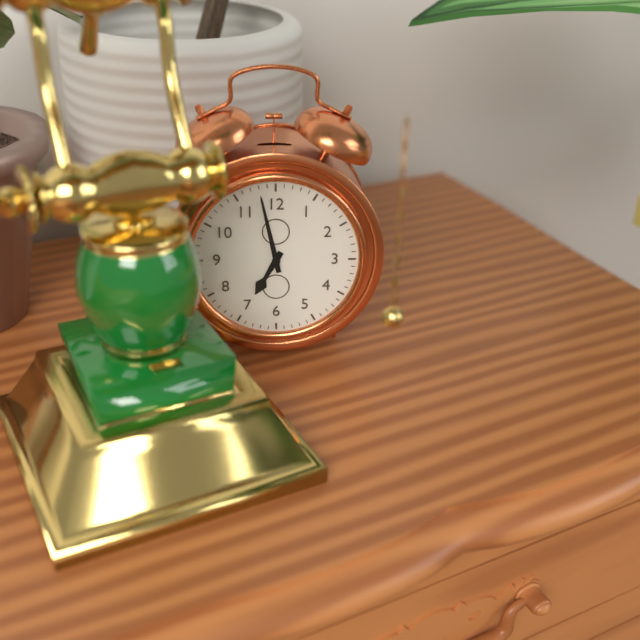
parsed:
6:58
